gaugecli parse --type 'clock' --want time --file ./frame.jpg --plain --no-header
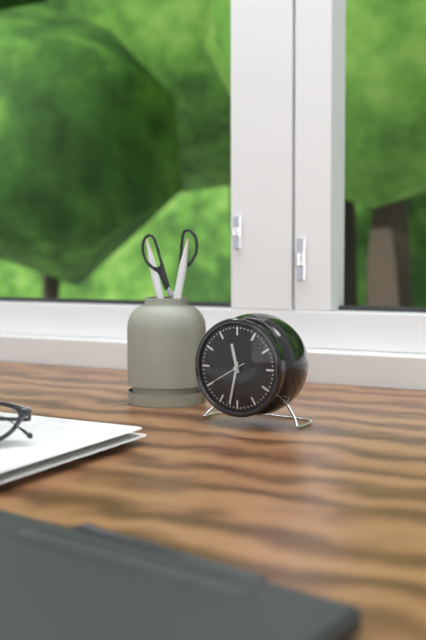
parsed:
11:32
